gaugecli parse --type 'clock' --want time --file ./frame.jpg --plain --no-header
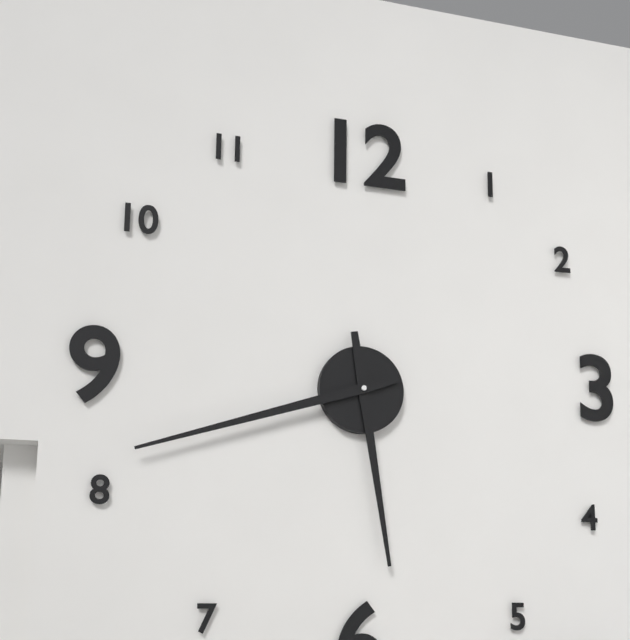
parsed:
5:42
